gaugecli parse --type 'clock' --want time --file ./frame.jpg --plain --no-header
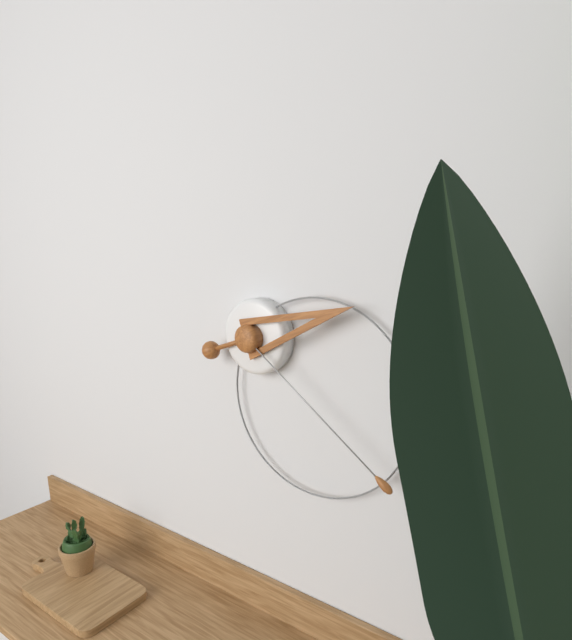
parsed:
2:21
